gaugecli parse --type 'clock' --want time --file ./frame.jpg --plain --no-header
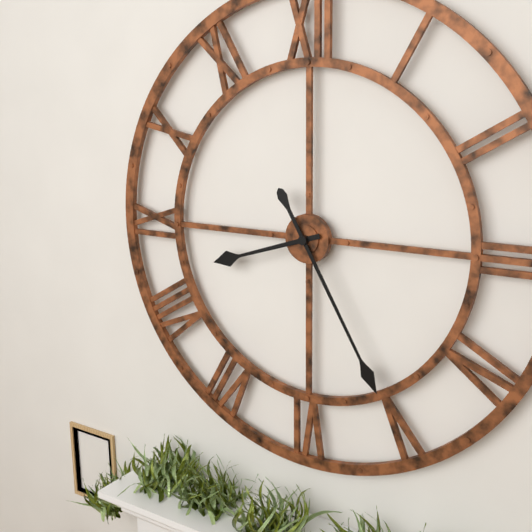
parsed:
8:25
